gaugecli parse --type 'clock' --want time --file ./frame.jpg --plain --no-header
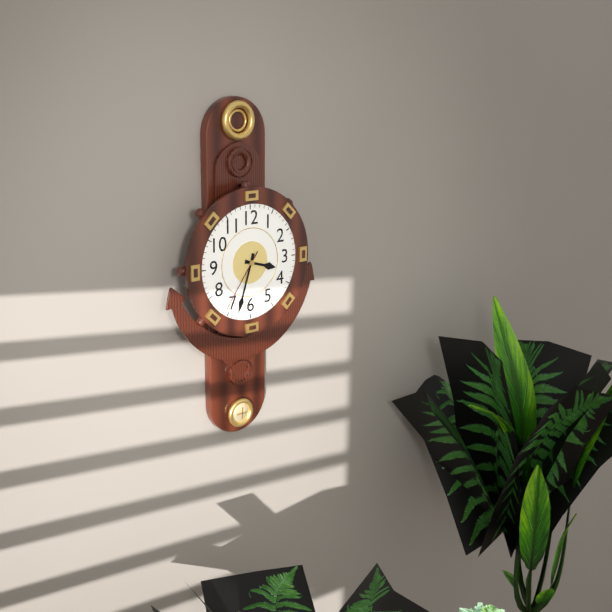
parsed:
3:33:36
